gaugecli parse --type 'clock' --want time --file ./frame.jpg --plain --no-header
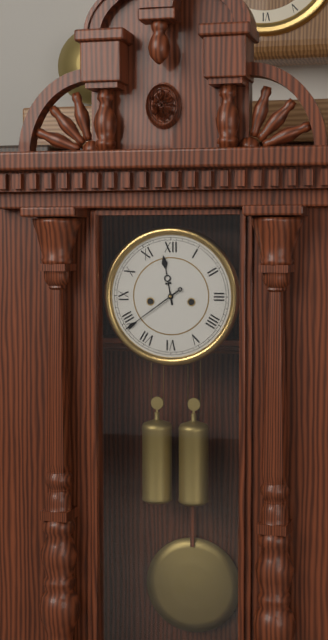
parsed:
11:39
